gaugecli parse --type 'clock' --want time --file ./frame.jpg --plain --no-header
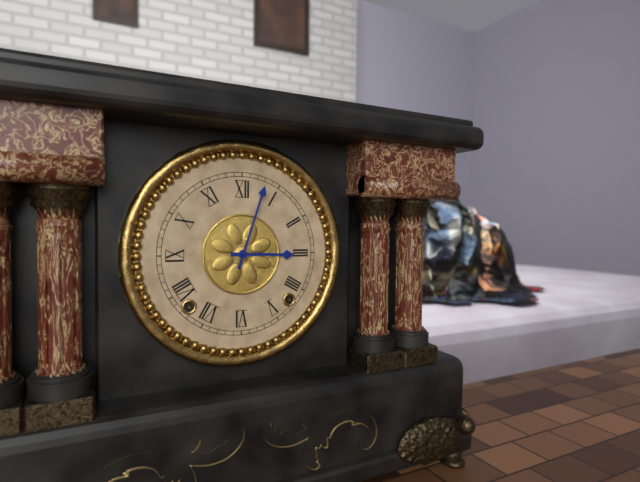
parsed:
3:03
